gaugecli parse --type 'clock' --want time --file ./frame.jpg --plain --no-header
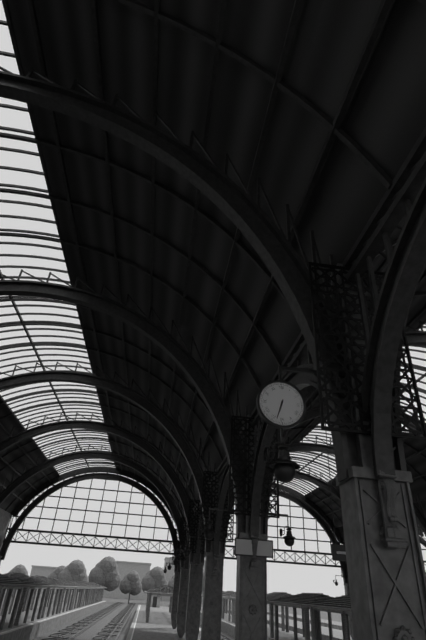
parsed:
6:33
